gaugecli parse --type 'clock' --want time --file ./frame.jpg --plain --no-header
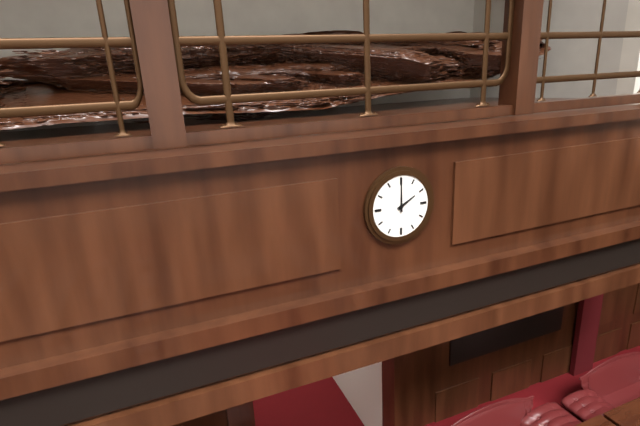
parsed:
2:00
